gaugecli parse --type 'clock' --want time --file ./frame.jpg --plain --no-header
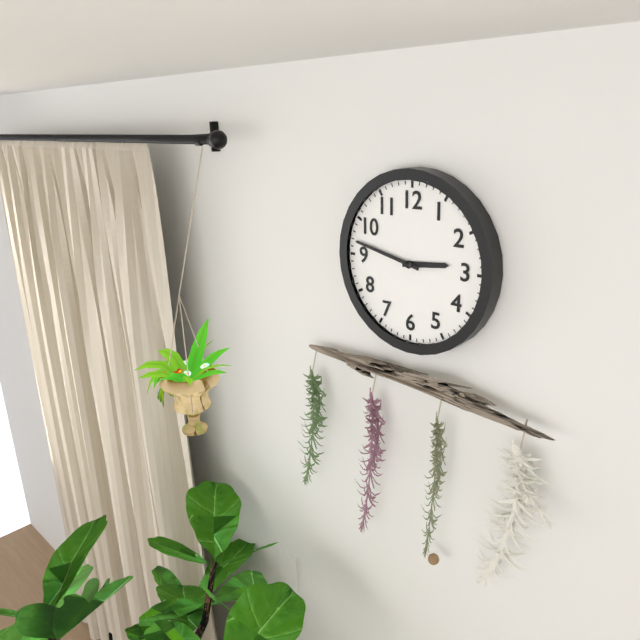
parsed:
2:47
